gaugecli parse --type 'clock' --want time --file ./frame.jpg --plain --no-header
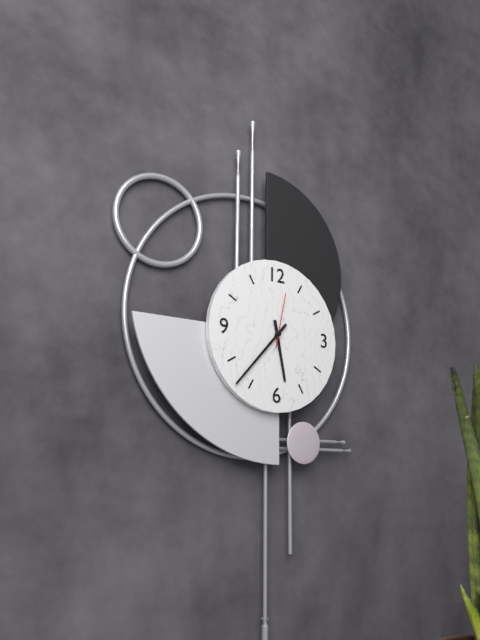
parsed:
5:37:02
